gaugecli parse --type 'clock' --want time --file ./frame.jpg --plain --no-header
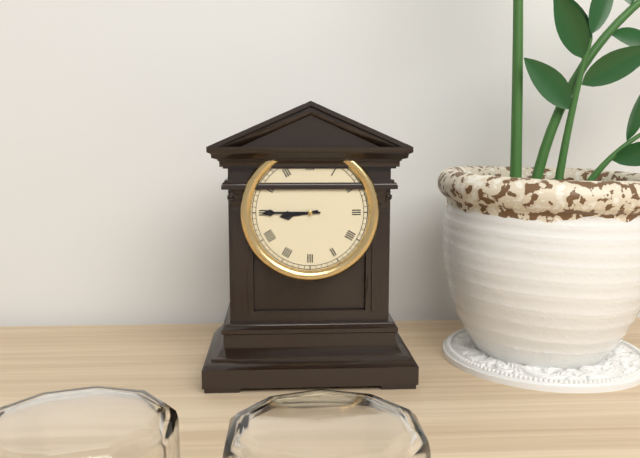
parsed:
8:45
